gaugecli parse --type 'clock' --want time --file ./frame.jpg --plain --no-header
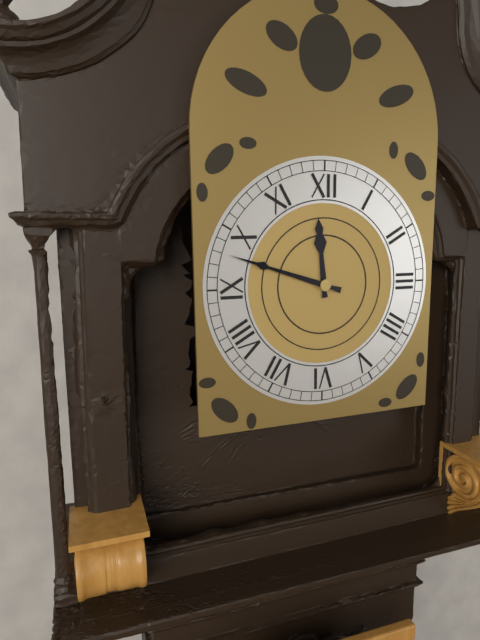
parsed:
11:48
